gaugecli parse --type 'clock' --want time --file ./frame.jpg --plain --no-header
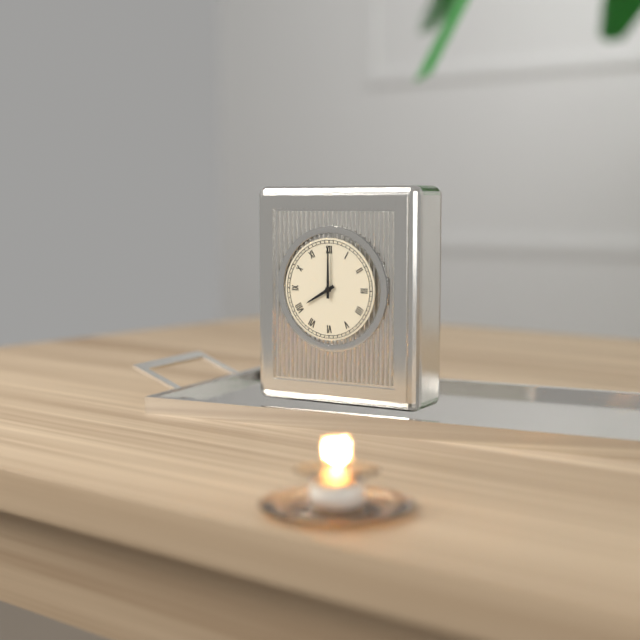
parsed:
8:00
